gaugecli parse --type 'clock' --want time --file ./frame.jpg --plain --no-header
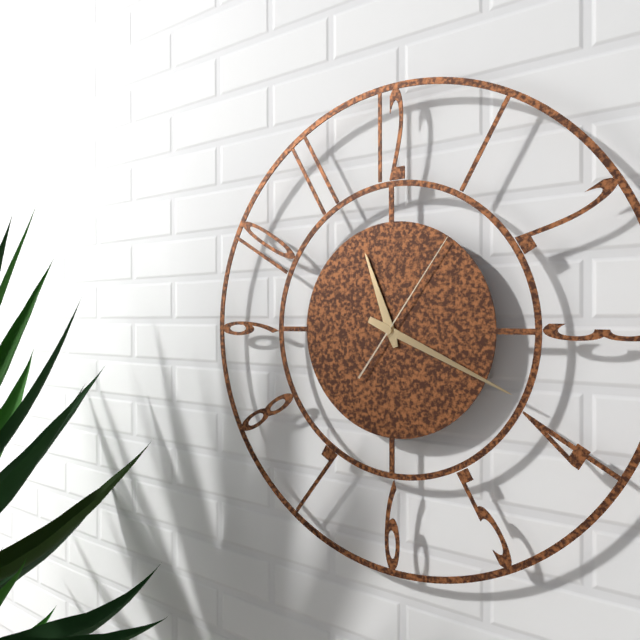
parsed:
11:19:06
